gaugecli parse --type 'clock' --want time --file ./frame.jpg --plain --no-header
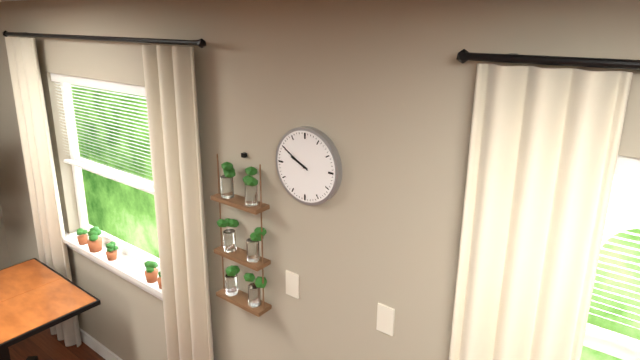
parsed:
9:50
